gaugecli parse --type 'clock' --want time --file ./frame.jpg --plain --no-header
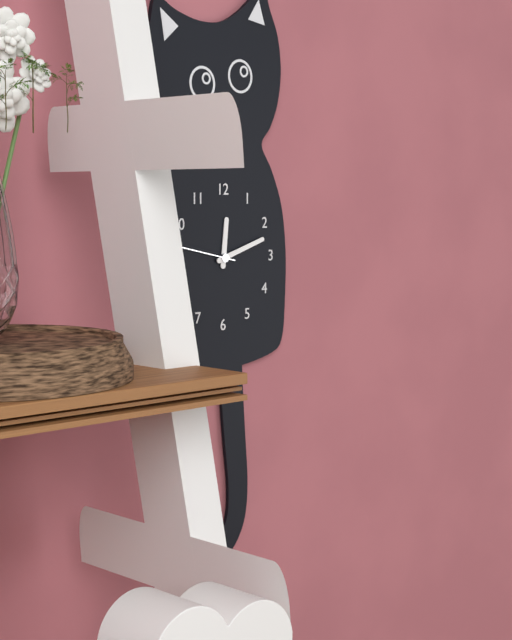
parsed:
12:12:47
